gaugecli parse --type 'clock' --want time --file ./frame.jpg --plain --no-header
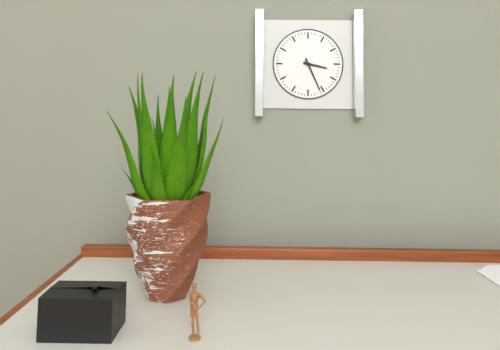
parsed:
3:26
